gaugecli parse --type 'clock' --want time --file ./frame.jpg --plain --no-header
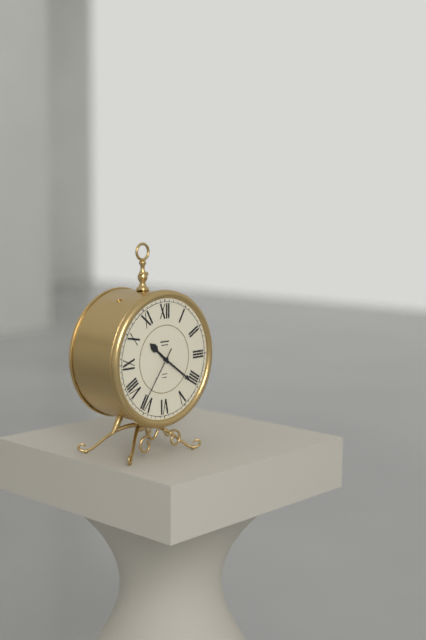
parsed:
10:21:36
